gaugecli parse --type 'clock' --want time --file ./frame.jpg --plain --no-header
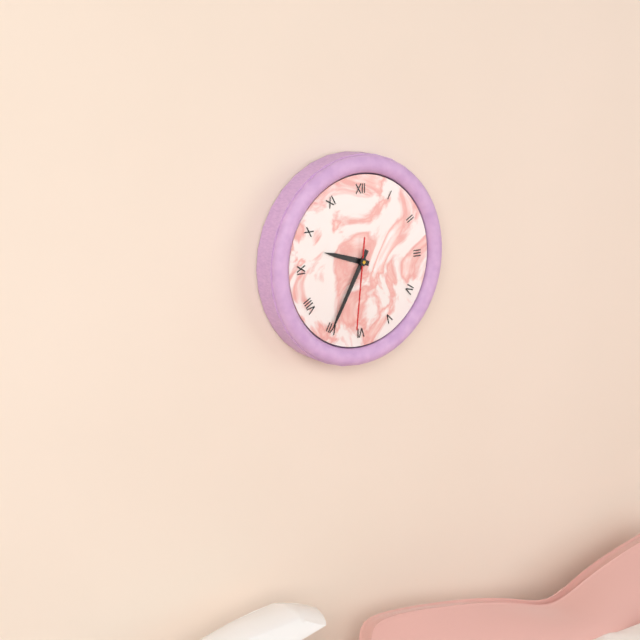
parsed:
9:35:31
